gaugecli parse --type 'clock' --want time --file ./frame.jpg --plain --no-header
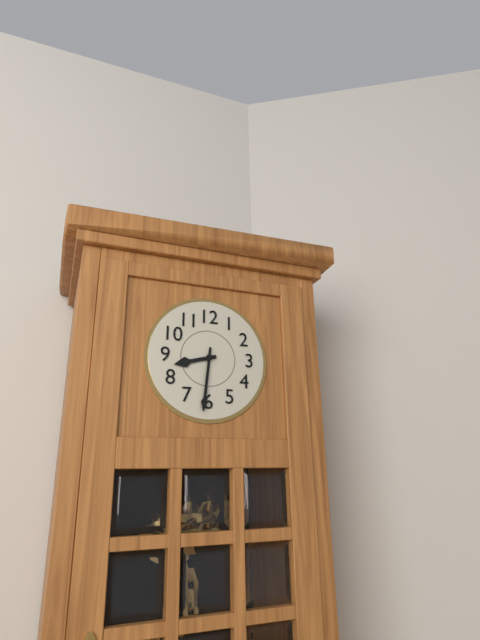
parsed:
8:31
